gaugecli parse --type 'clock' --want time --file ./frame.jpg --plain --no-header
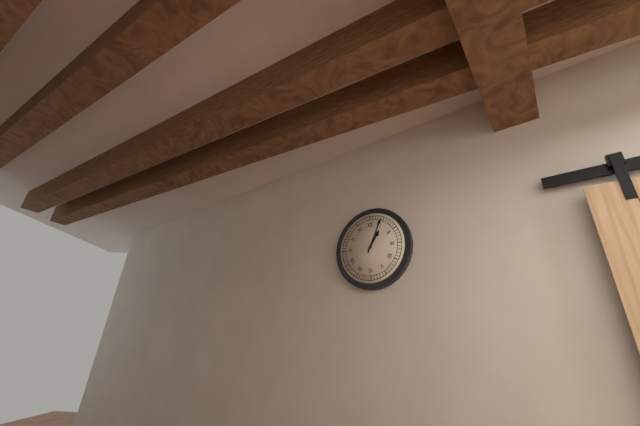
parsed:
1:04
